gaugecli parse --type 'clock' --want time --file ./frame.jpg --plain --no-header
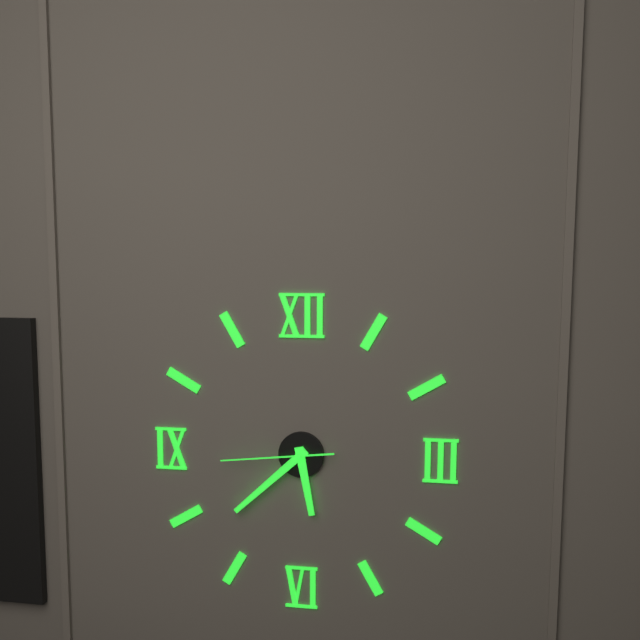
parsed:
5:38:44
